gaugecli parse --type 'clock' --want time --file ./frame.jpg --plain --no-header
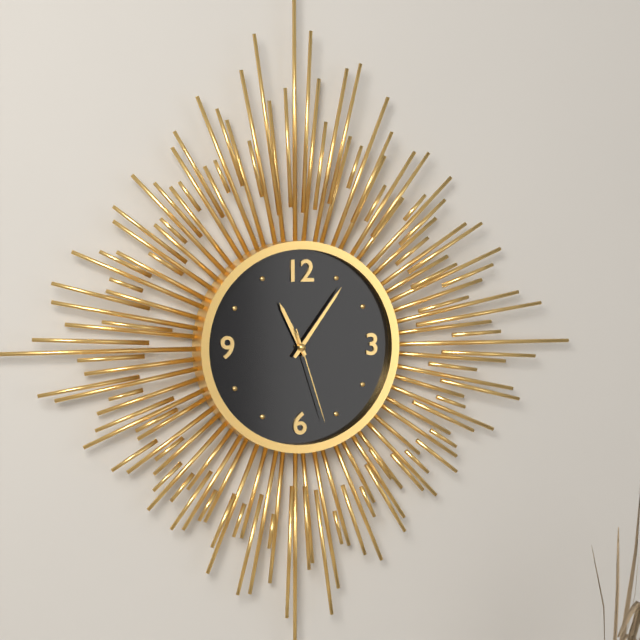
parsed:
11:06:27
